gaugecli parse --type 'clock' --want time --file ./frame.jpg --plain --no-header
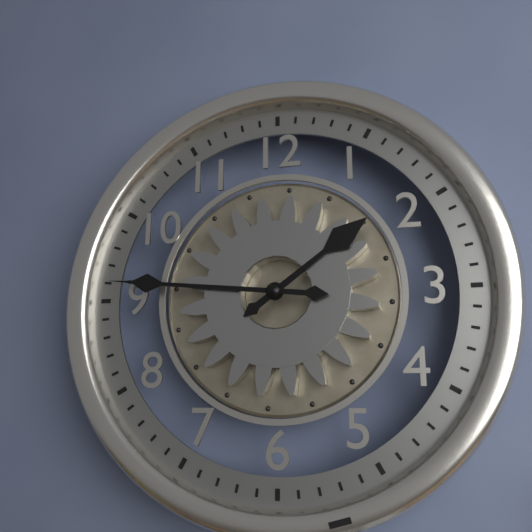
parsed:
1:46
